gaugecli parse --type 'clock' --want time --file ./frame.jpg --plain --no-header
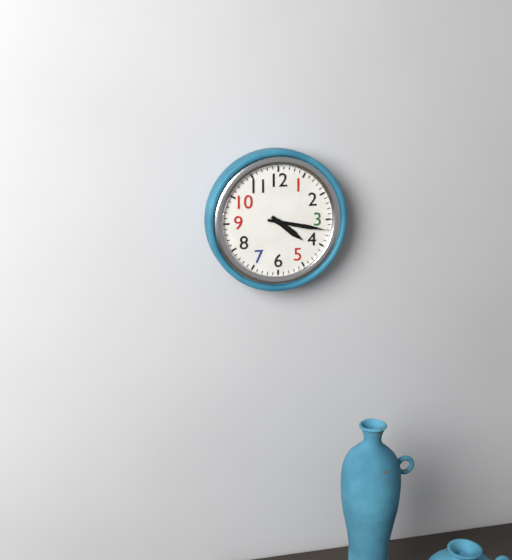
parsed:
4:17
